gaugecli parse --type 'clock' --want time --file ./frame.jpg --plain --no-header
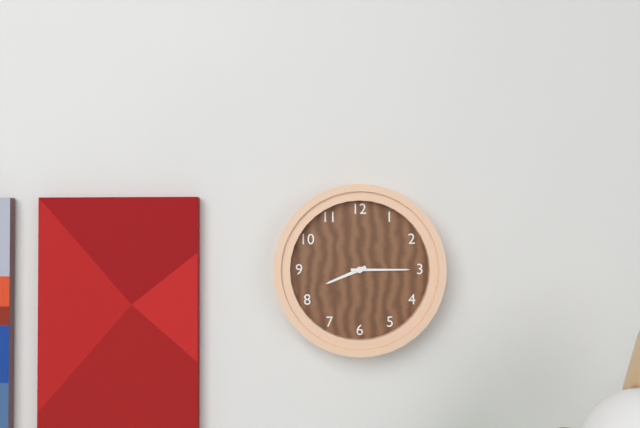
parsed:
8:15
